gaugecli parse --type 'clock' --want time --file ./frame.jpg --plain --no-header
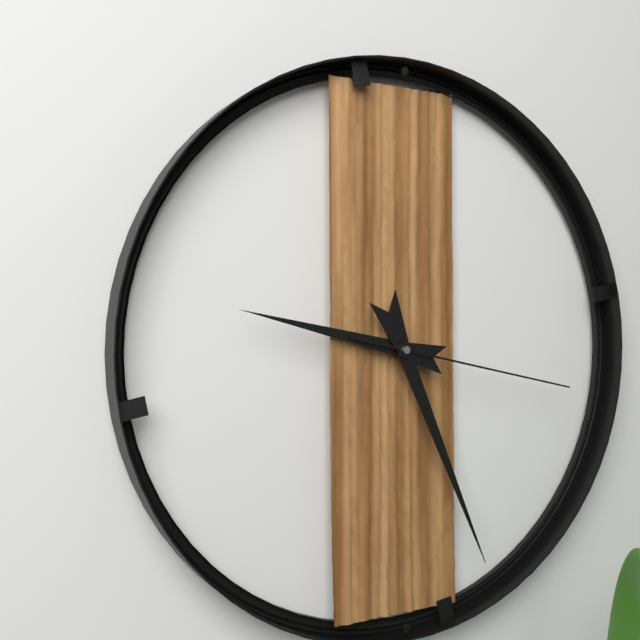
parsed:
9:26:17
